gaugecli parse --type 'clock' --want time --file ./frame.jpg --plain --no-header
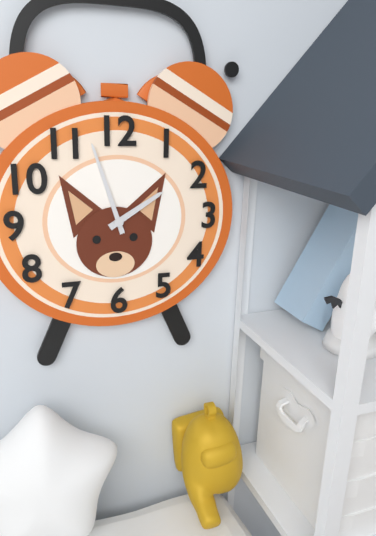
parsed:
1:57
